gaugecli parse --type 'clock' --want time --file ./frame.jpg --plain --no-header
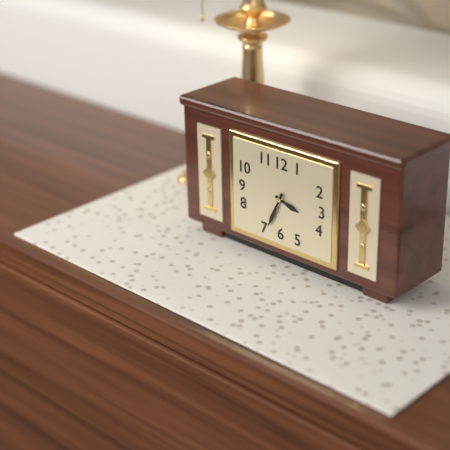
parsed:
3:34
